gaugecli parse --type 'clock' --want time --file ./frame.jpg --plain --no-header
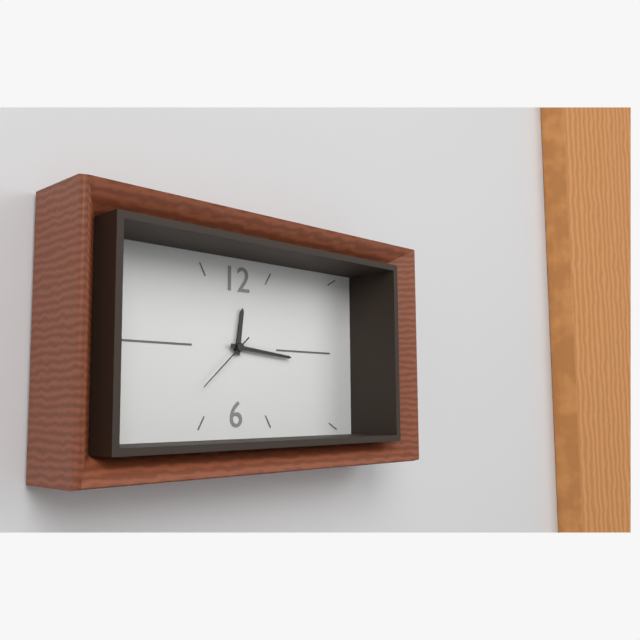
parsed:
12:16:38
